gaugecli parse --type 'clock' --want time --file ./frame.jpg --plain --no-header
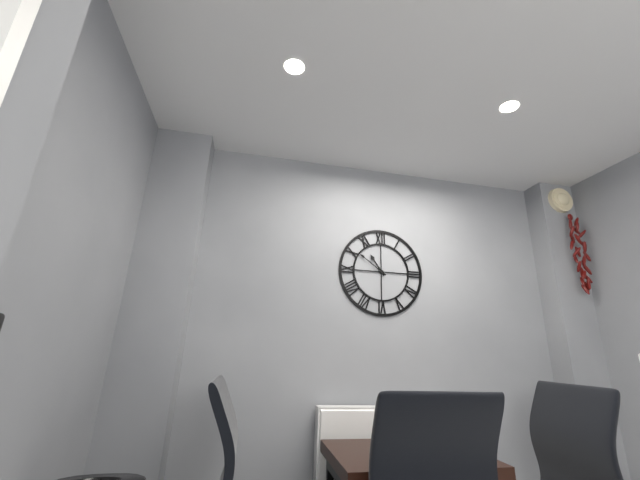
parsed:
10:51
